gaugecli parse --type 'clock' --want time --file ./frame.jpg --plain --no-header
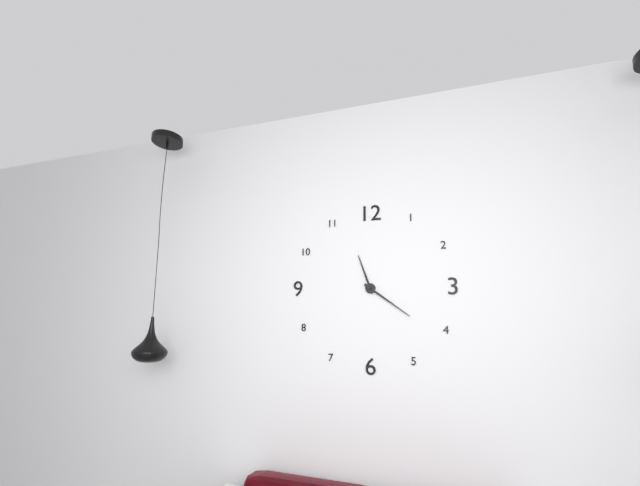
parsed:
11:21
